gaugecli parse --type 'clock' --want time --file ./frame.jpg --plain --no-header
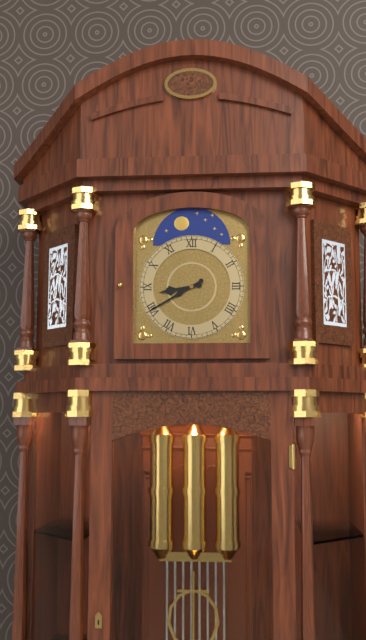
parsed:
8:40
